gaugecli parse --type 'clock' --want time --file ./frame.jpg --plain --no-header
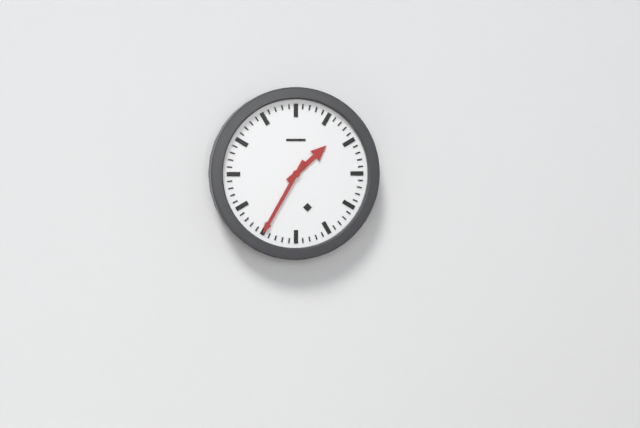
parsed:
1:35
